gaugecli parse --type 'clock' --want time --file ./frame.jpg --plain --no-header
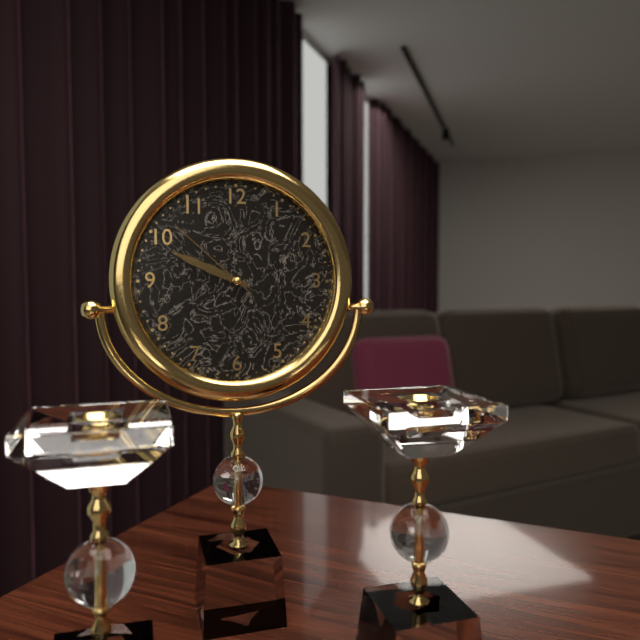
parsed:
9:49:52
